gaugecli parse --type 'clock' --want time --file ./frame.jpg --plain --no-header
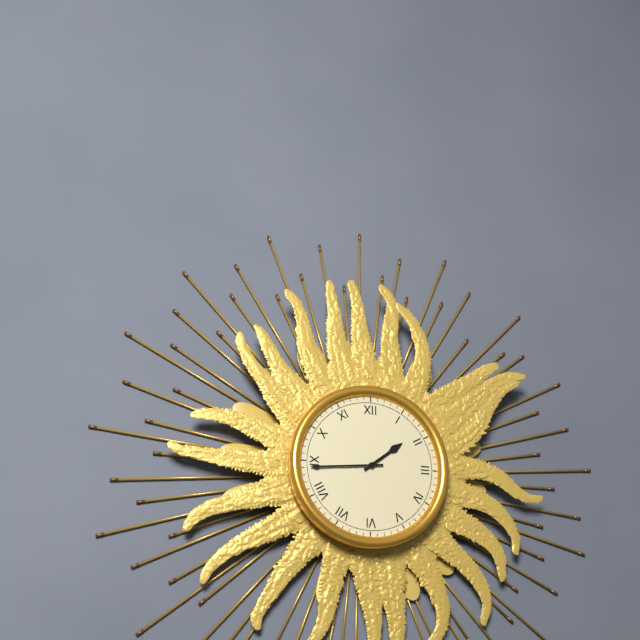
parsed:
1:44
